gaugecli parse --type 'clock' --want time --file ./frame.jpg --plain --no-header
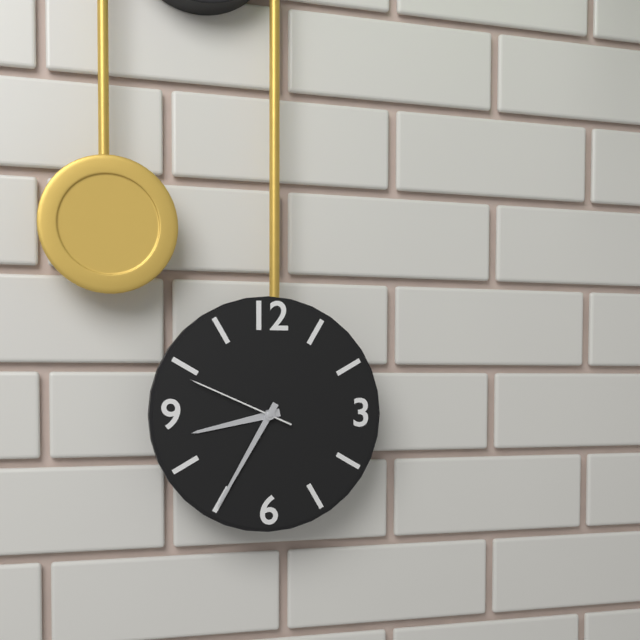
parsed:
8:35:49
